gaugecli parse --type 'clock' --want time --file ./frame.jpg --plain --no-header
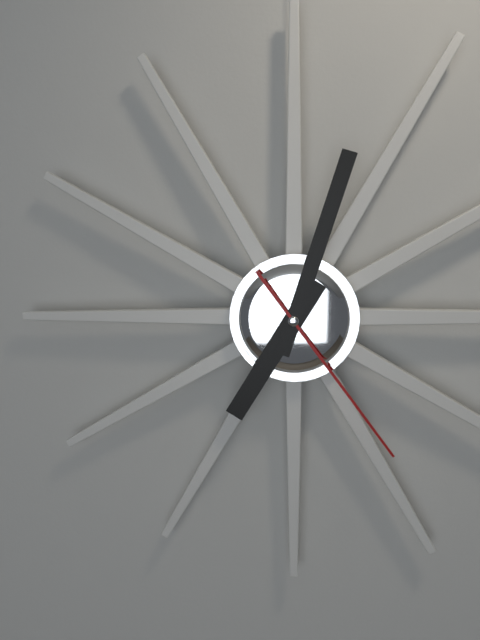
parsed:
7:03:24
